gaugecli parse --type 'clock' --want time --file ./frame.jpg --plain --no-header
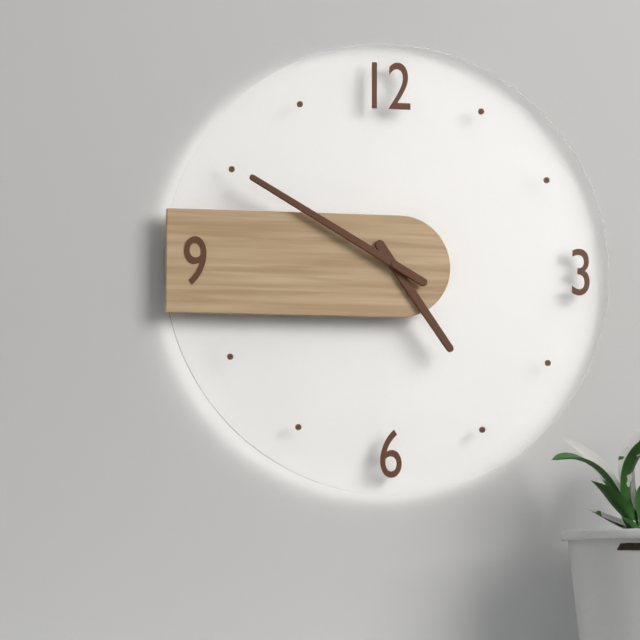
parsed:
4:50
